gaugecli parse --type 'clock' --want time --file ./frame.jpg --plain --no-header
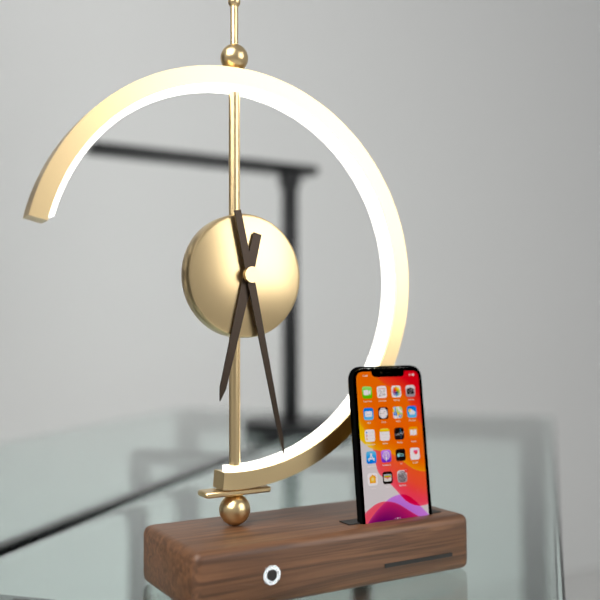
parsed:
6:28
